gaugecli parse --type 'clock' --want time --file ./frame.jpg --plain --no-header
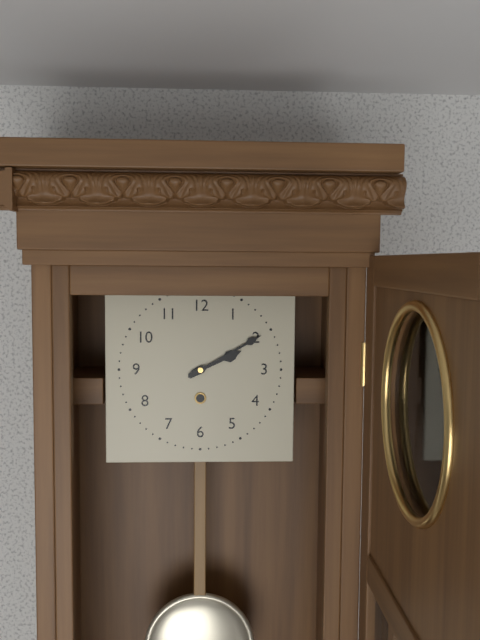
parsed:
2:10
